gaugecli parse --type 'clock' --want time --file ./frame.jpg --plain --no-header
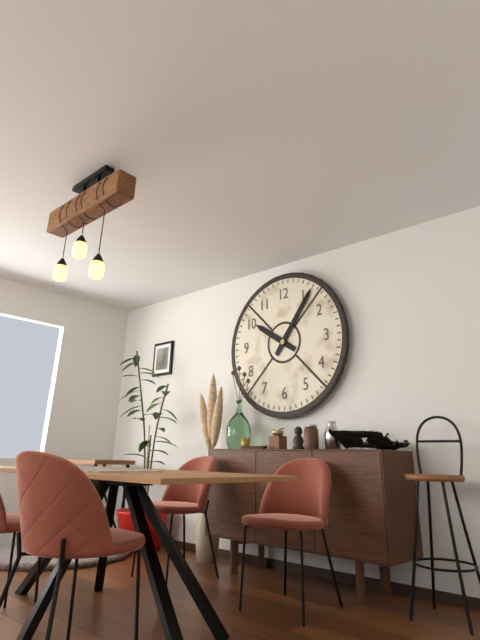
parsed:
10:06
